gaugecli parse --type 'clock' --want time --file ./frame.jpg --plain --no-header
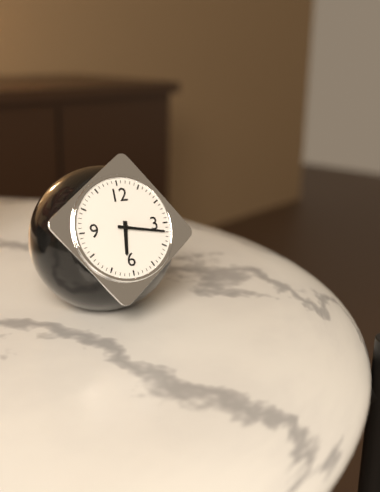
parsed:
6:17
